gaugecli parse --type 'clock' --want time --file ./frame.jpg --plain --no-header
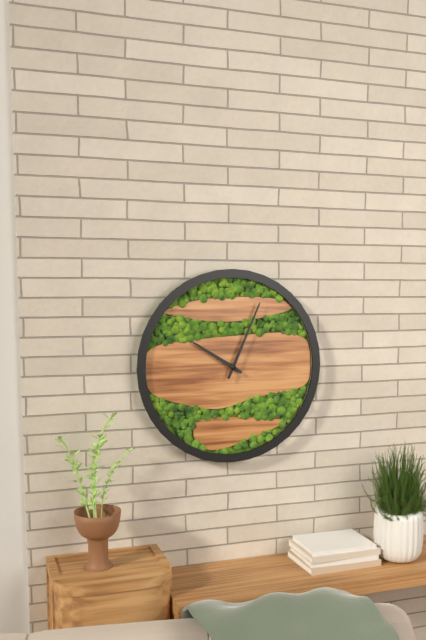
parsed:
10:04
